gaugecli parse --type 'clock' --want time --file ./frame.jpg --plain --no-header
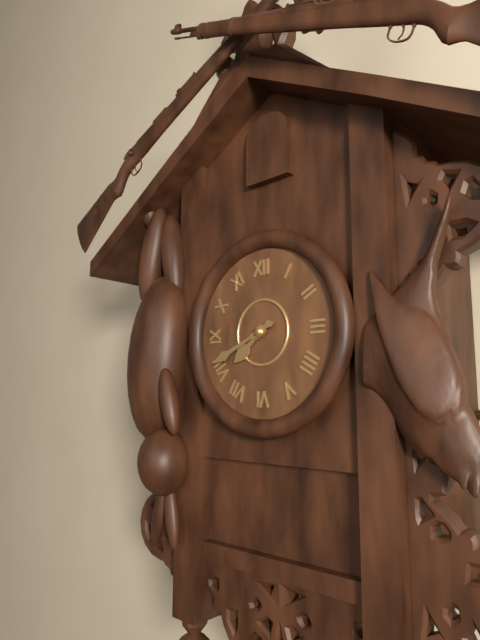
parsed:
7:41
